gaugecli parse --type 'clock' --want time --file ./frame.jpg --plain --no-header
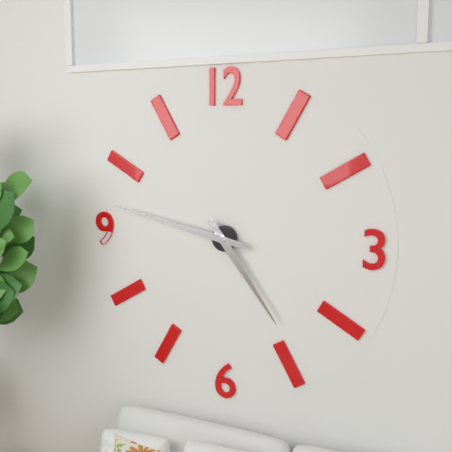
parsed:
4:47
